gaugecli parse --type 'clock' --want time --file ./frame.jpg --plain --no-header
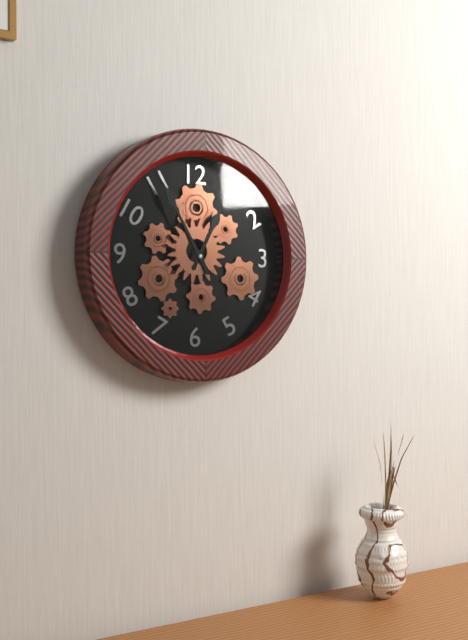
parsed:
12:55
